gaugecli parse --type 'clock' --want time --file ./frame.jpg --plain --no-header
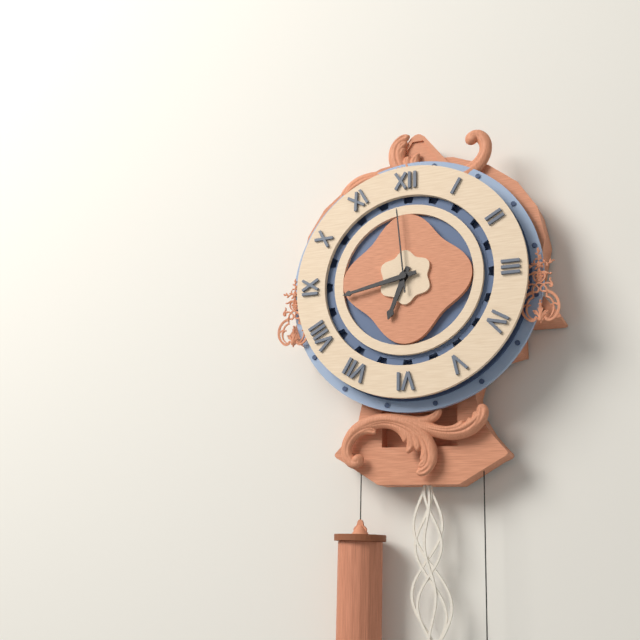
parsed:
6:43:59
